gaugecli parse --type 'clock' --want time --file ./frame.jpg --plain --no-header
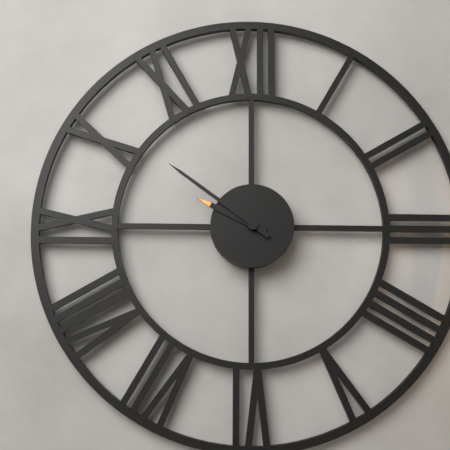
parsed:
9:51
